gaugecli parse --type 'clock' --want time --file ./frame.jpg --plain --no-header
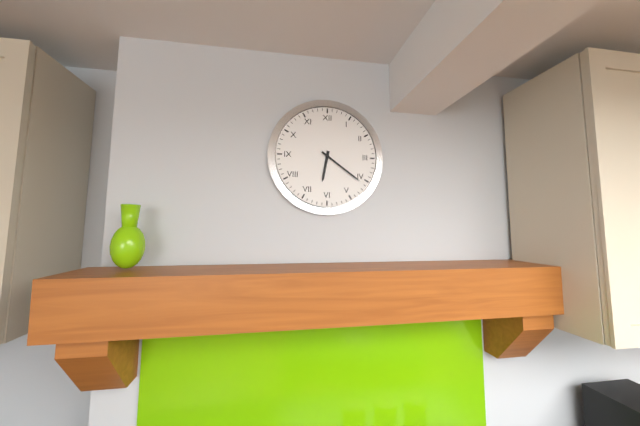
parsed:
6:21
